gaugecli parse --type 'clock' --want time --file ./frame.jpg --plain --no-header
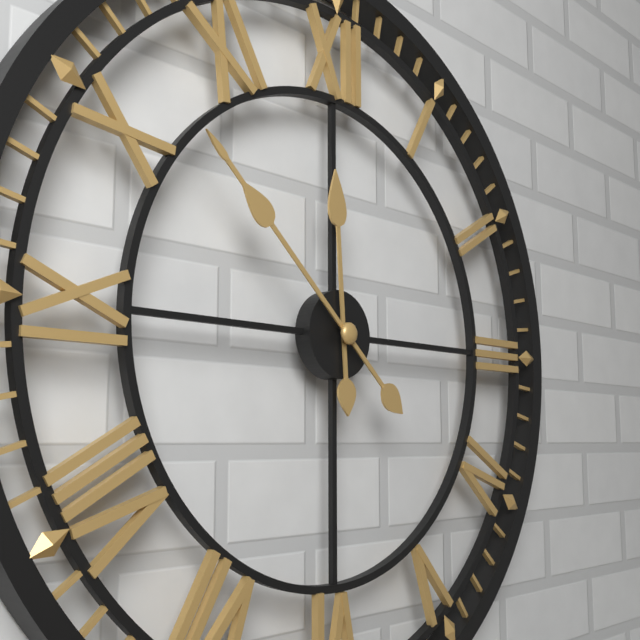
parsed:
11:52
